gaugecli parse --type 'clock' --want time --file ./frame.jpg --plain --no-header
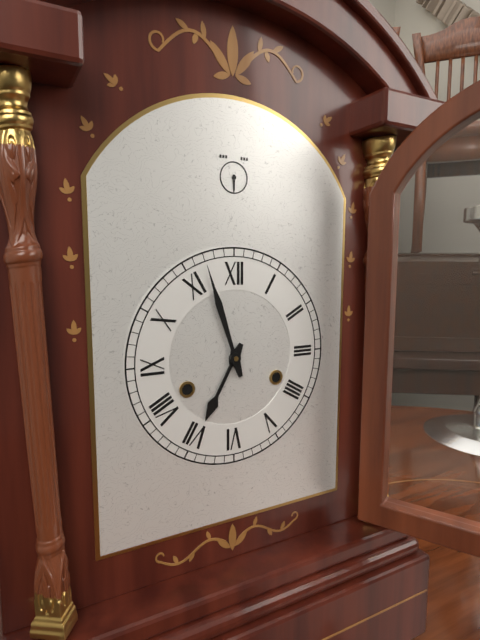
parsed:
6:57
